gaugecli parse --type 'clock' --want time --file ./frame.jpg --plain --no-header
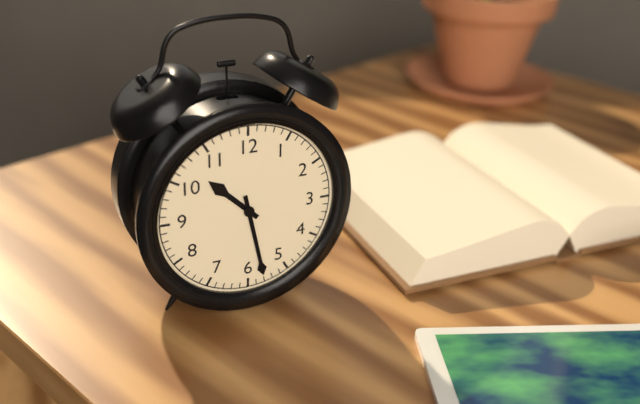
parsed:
10:28
